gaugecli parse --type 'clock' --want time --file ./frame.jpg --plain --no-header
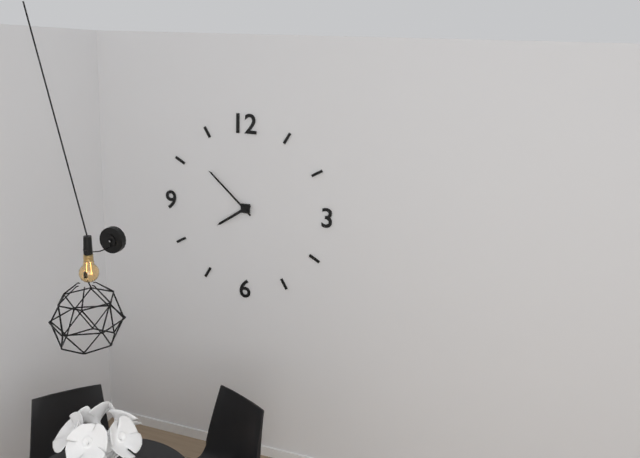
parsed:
7:52
